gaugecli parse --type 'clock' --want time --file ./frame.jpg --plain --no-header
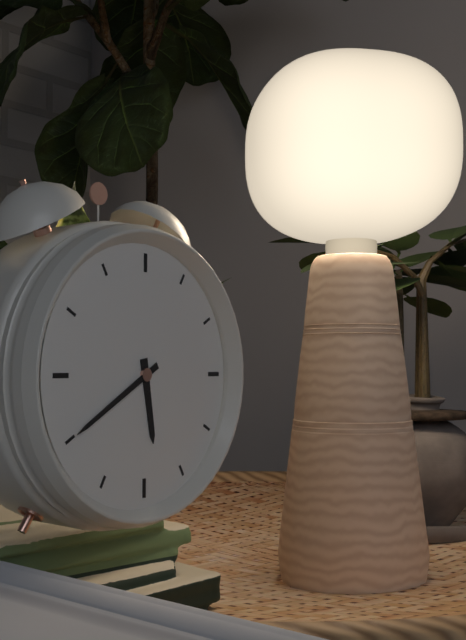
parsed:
5:40
